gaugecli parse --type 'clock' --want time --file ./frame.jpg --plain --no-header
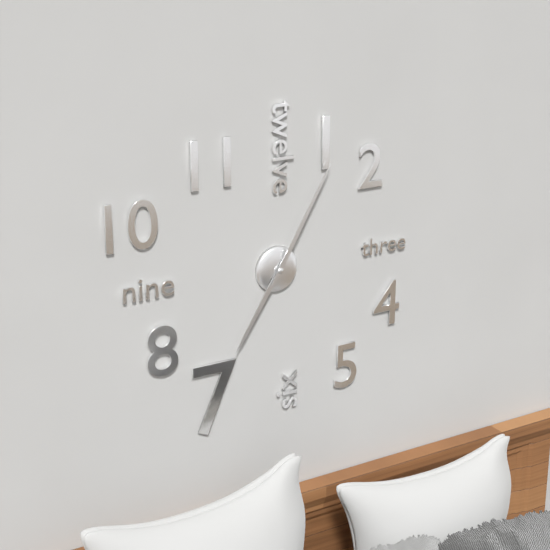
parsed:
7:05
